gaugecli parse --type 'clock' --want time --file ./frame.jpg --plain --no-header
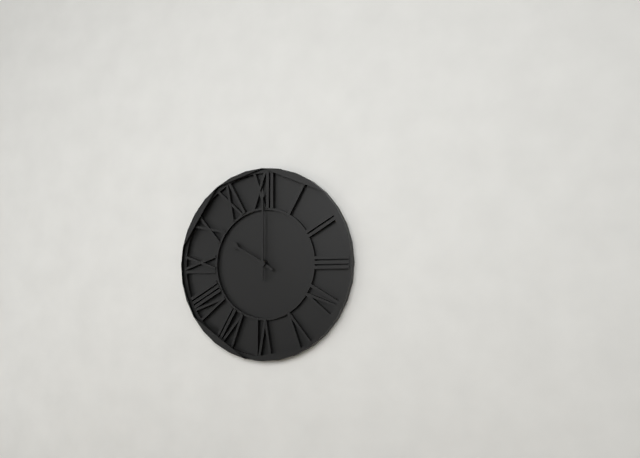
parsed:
10:00
